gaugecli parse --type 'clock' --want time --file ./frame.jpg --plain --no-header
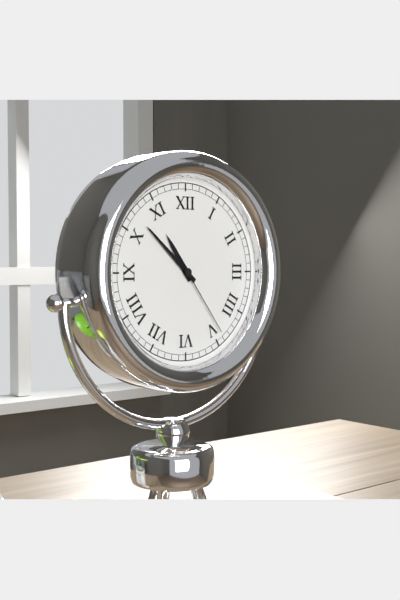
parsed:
10:52:24
